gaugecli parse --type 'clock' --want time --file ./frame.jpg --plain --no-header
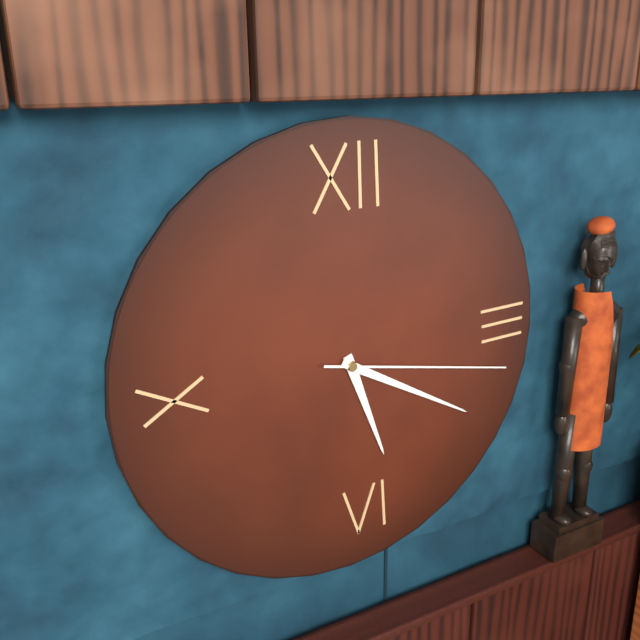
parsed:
5:20:17
